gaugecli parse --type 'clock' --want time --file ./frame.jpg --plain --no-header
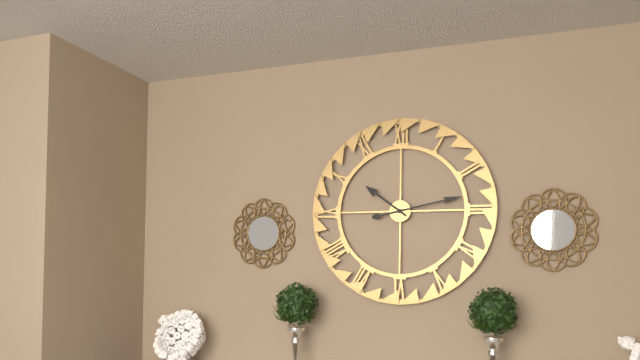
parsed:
10:13
